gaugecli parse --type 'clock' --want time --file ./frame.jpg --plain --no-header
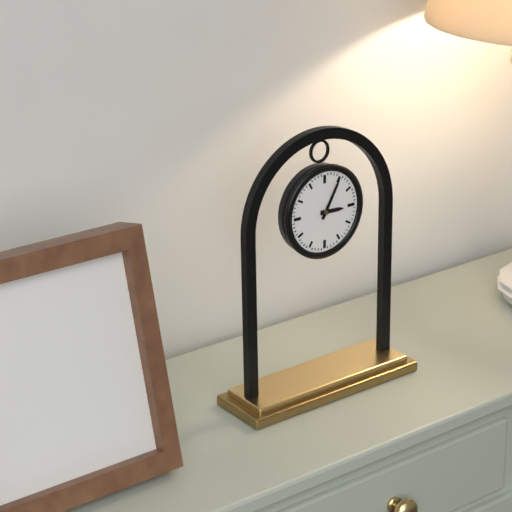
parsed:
3:05
